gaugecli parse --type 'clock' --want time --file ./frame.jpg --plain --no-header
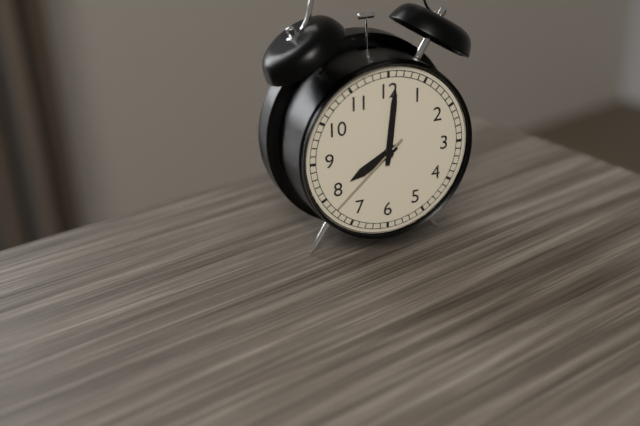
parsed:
8:01:38
